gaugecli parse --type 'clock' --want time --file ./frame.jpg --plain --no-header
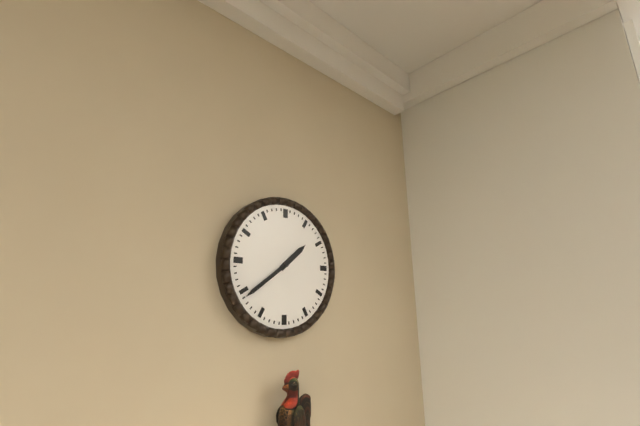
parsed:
1:39
